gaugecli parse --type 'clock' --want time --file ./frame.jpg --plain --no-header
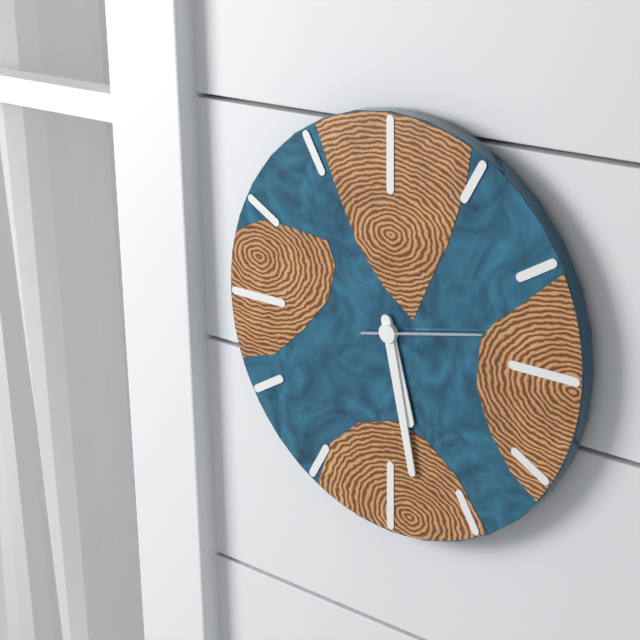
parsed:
5:28:13
